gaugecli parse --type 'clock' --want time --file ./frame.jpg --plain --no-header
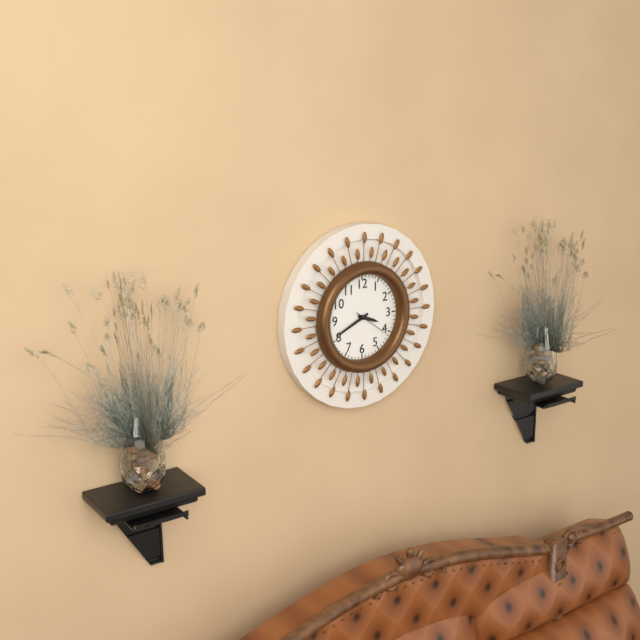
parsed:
3:41
